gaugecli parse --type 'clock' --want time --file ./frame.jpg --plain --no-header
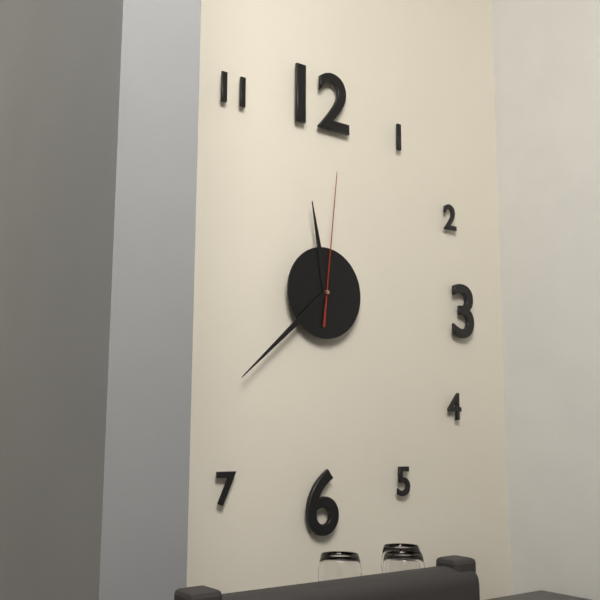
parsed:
11:38:01
